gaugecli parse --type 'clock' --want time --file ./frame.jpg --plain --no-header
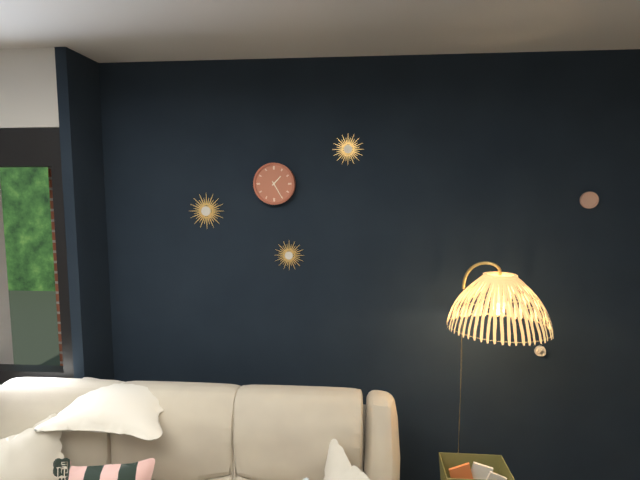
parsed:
1:25
